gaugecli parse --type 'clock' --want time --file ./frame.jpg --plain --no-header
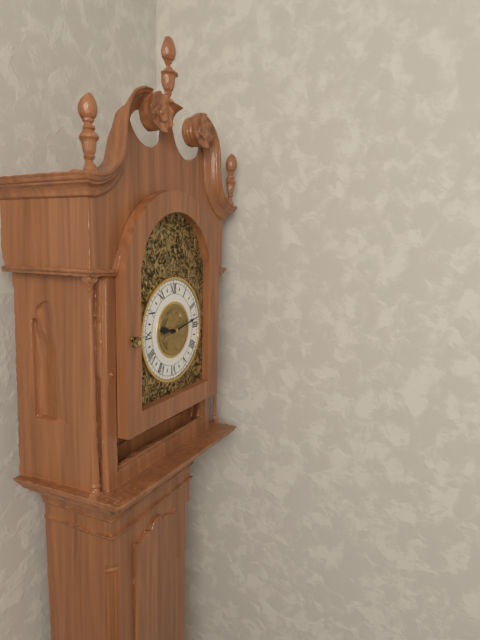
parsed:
9:13
